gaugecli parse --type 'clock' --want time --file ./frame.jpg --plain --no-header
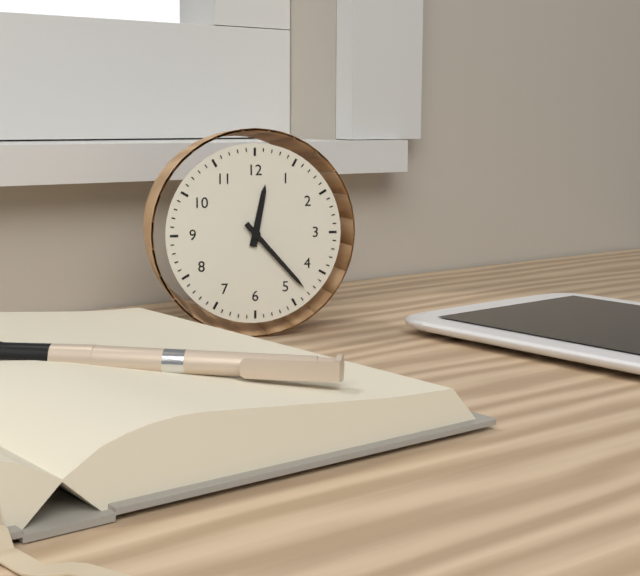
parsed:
12:23
